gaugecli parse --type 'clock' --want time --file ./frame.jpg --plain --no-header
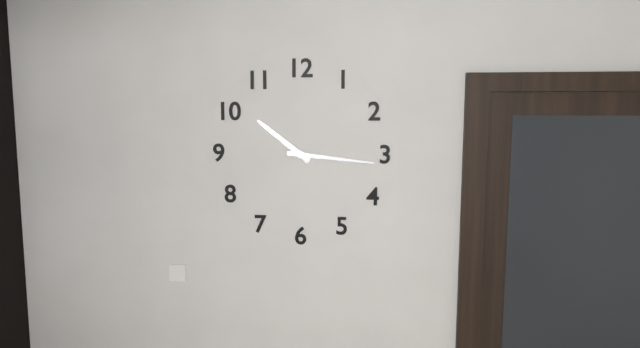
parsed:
10:16
